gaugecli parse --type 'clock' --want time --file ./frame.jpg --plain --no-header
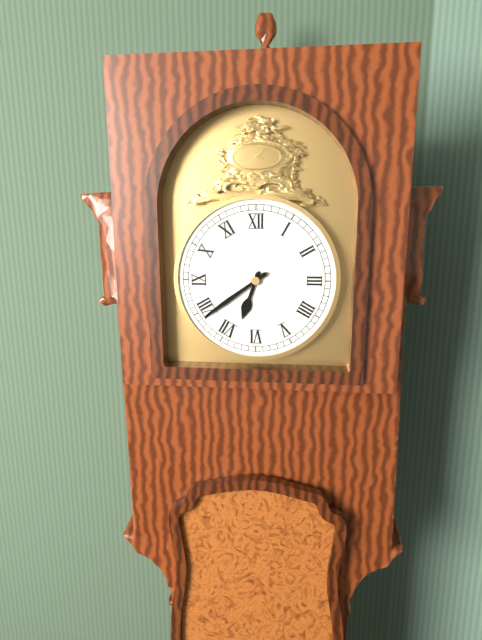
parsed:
6:39
